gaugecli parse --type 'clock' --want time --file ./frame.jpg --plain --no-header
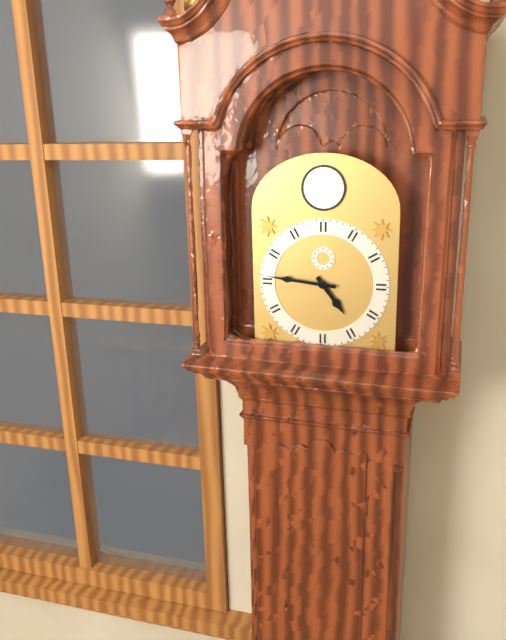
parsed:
4:46
